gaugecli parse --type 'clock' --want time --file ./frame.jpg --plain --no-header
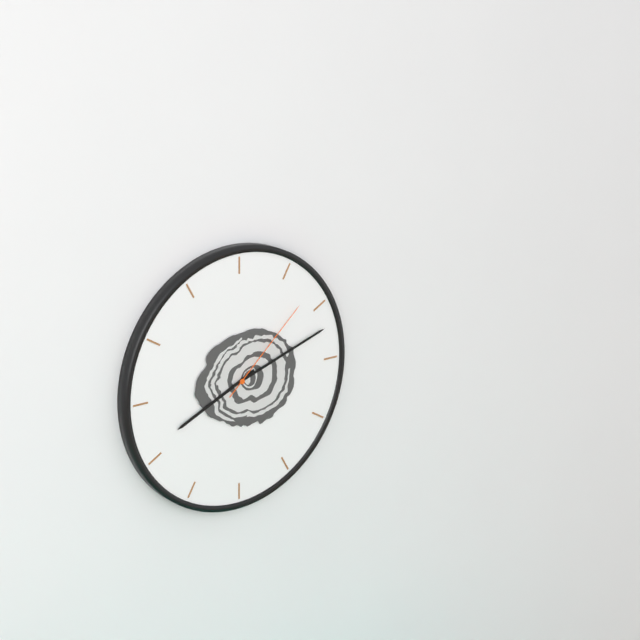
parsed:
8:12:08
